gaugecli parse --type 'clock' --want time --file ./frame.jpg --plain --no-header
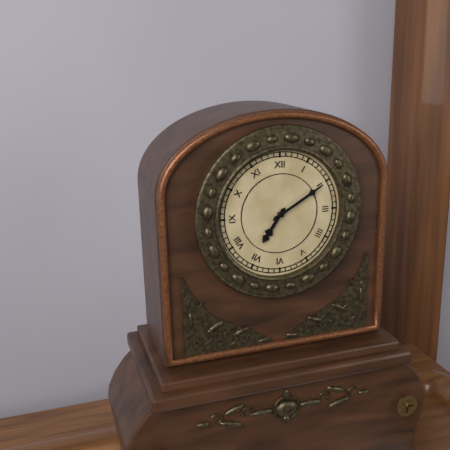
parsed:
7:10
